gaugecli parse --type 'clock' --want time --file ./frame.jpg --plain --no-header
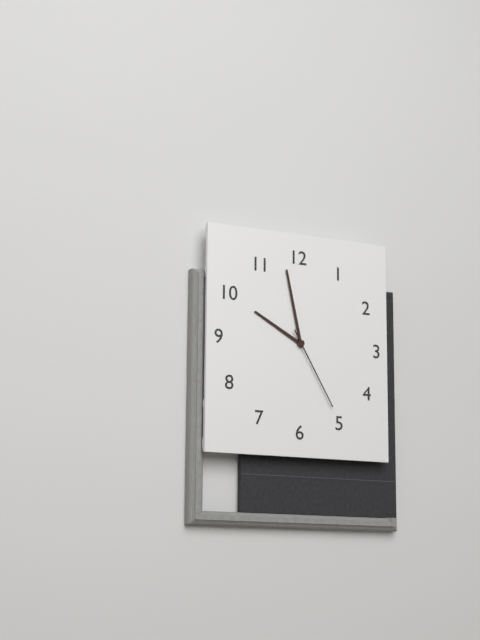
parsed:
9:58:25
